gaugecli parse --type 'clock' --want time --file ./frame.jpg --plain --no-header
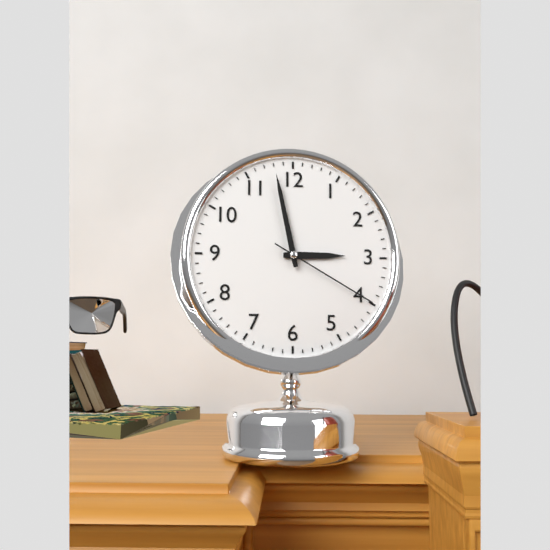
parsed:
2:58:20
